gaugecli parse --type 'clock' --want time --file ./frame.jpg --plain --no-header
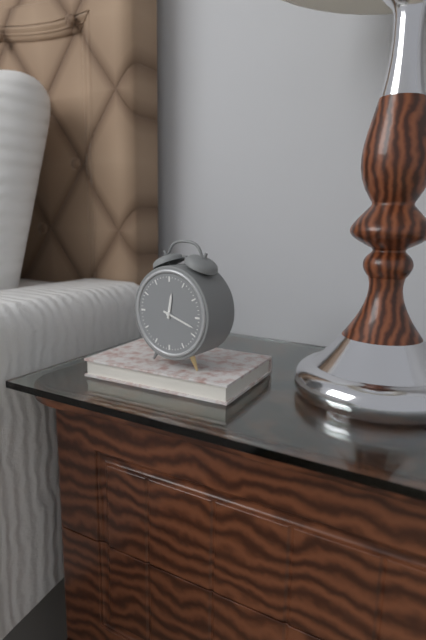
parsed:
12:18
